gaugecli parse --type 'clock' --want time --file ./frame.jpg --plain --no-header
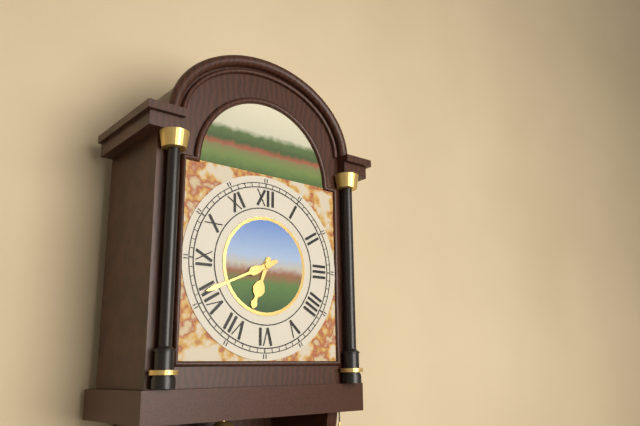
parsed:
6:41
